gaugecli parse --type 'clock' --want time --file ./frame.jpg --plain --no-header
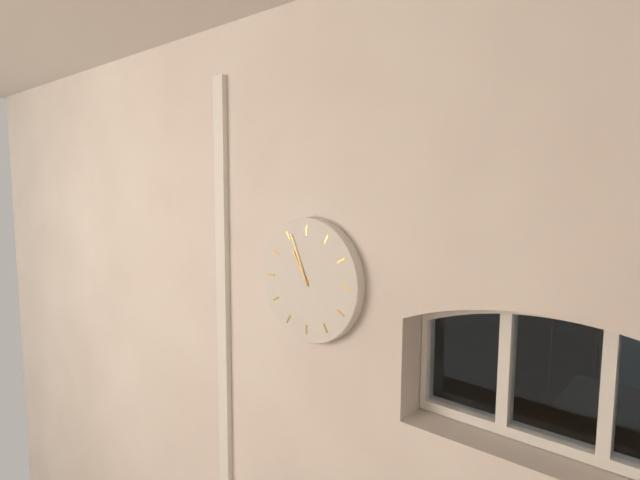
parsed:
10:56
